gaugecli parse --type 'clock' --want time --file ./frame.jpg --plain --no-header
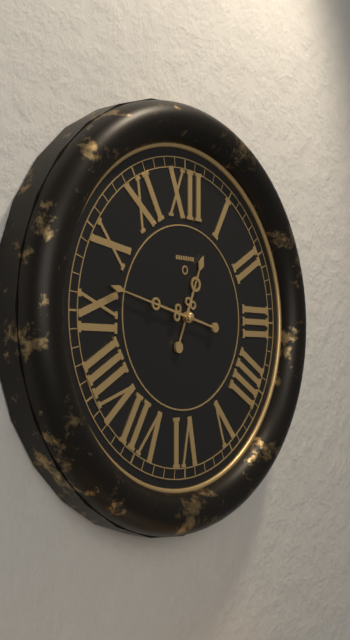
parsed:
12:47
